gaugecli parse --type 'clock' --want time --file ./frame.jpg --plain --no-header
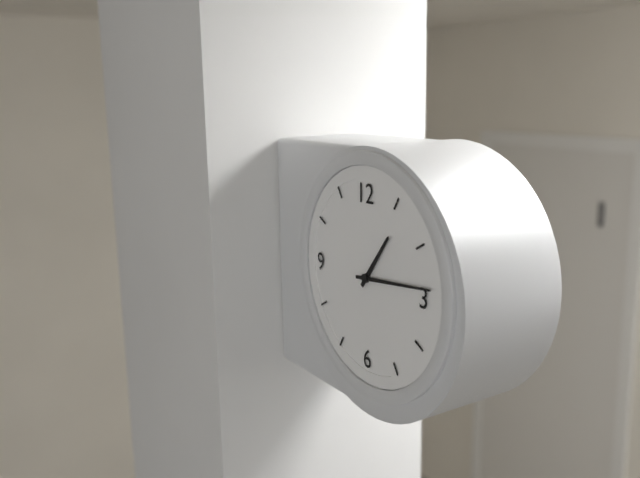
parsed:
1:14
